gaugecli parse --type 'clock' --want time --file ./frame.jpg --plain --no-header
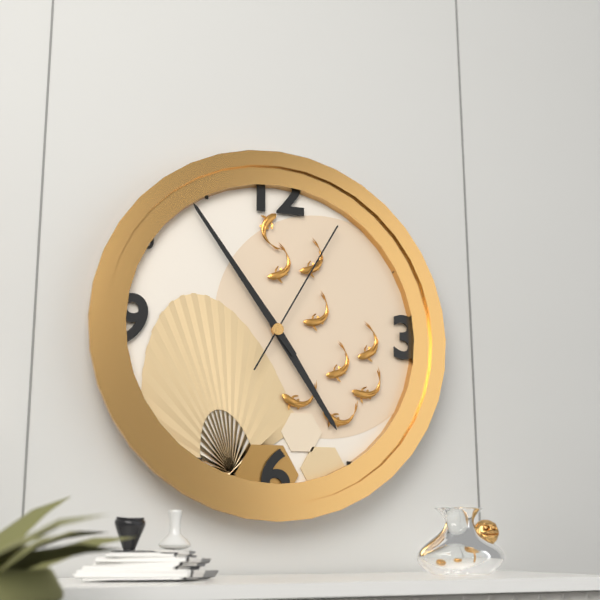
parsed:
4:54:05
